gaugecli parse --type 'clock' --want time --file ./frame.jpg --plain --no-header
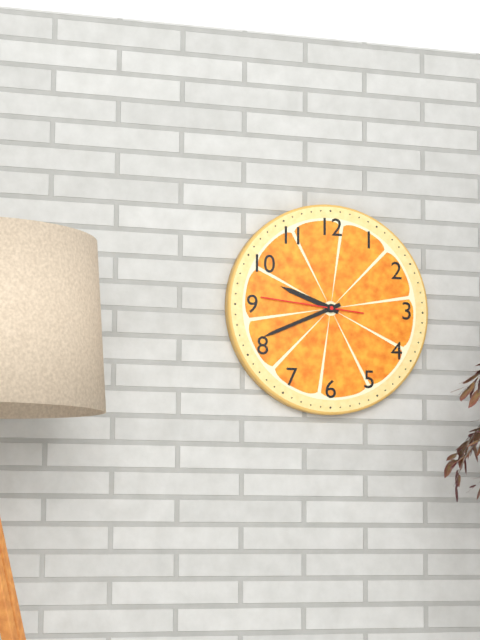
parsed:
9:41:46
